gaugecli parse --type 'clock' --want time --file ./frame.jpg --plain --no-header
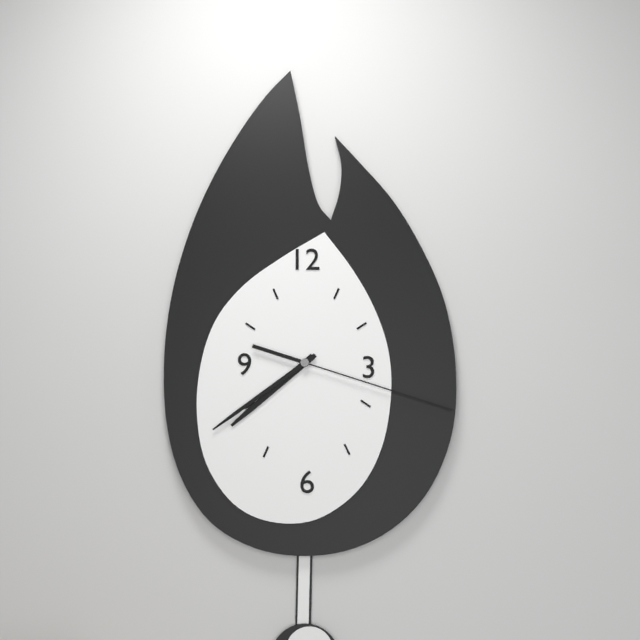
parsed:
7:39:18
